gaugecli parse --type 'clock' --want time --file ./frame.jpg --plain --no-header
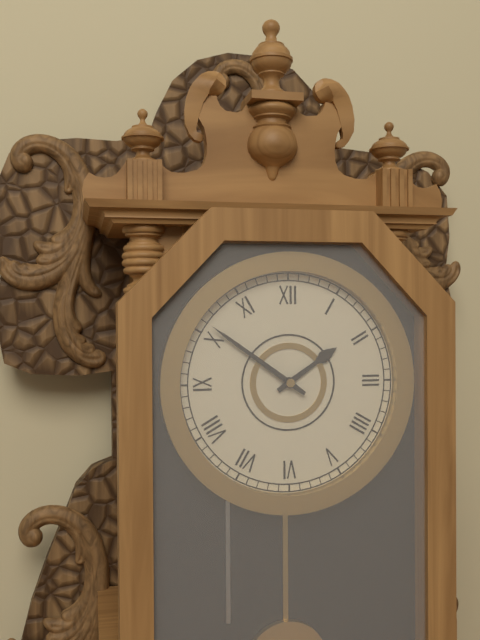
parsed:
1:51
